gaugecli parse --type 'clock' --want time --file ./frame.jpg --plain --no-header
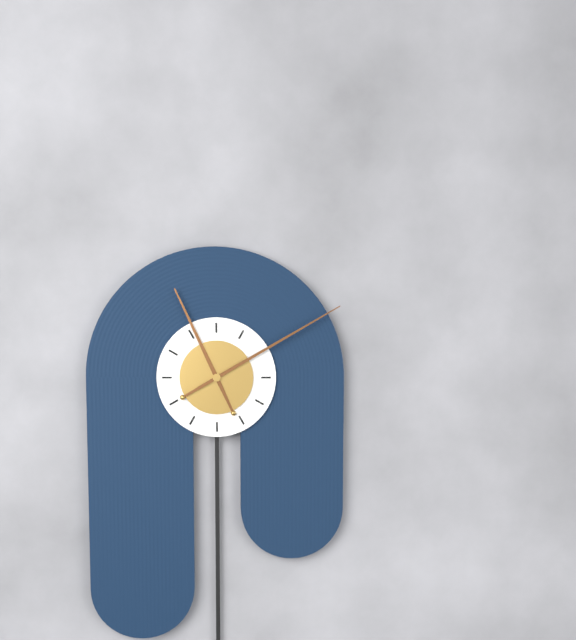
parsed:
11:10
